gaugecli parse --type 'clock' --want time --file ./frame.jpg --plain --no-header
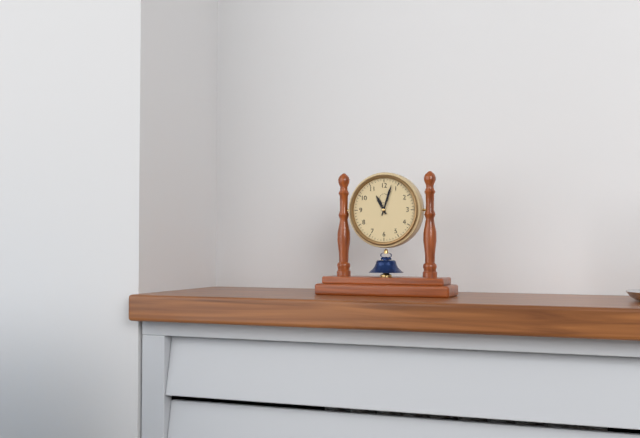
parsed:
11:03
